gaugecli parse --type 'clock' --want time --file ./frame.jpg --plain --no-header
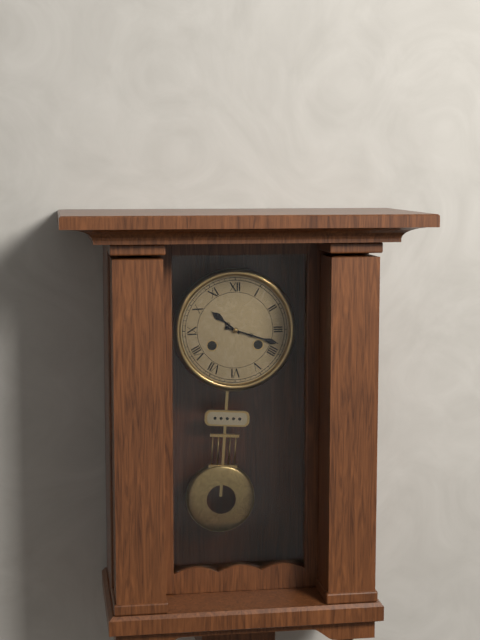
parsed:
10:18
